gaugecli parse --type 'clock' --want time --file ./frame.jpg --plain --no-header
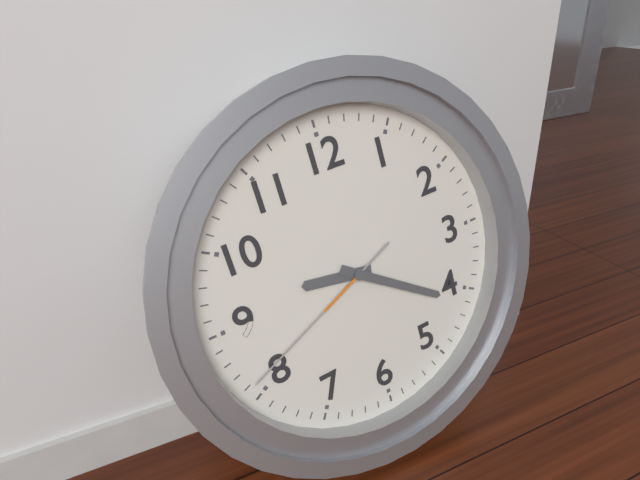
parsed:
9:21:41
